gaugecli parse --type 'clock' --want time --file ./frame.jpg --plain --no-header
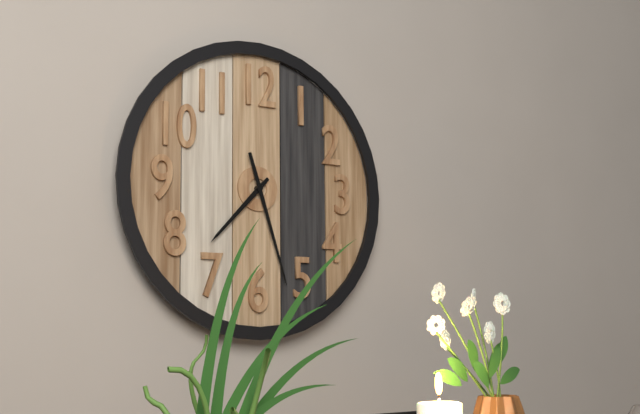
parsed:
7:27
